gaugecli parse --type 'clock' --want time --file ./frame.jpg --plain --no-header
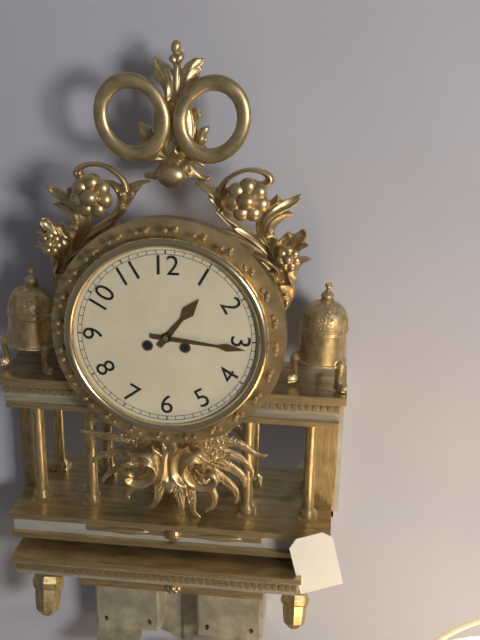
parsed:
1:16
